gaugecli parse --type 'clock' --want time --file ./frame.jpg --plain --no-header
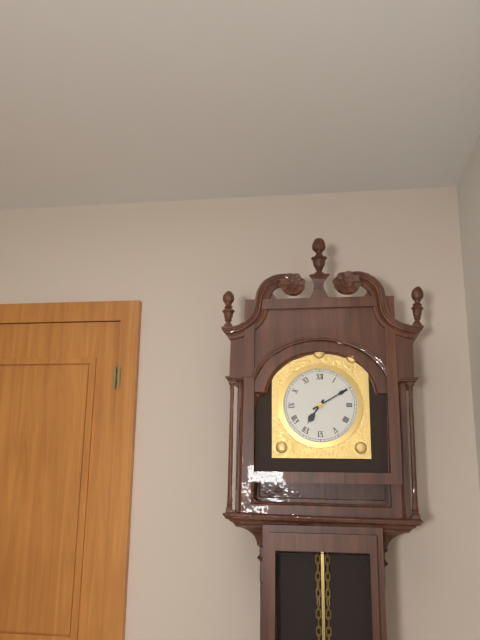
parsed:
7:10
